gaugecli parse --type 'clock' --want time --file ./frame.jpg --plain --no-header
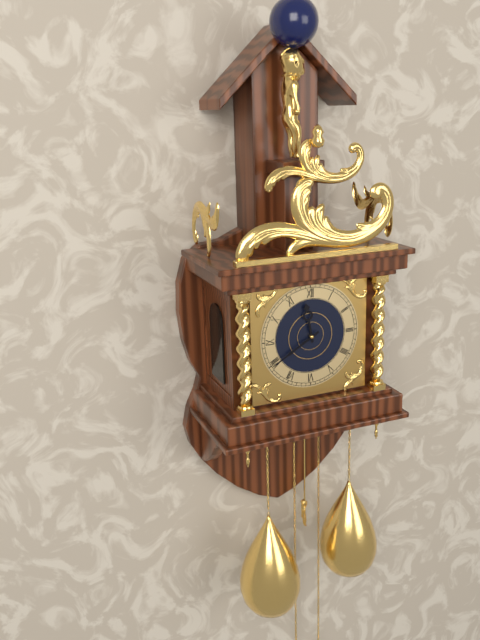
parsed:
11:40
